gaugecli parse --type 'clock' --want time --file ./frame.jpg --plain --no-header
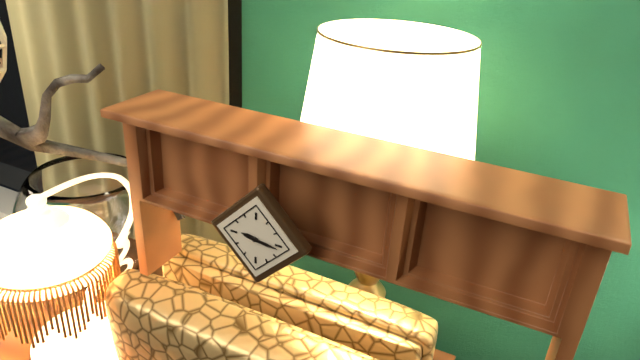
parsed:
9:16
